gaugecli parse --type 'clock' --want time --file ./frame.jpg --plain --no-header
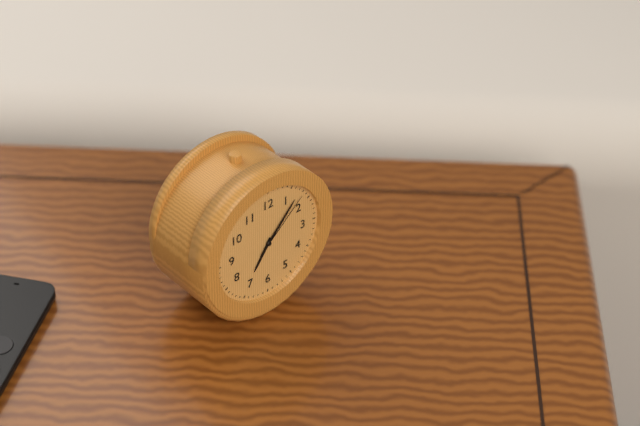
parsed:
7:07:08
